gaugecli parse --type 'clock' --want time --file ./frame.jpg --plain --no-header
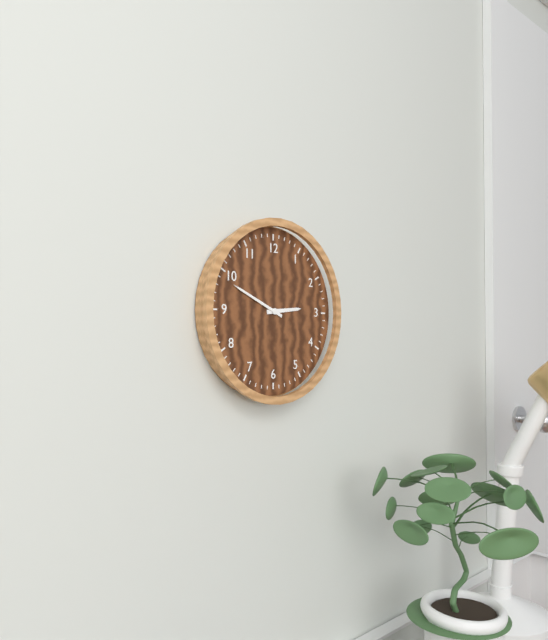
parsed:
2:49
